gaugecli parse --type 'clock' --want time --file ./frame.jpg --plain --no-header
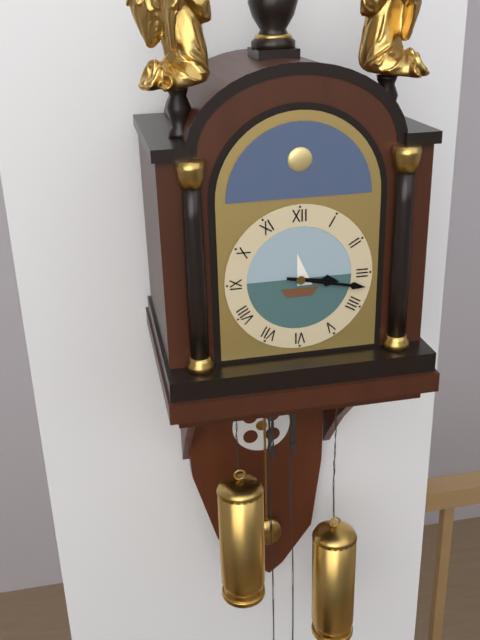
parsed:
3:17
